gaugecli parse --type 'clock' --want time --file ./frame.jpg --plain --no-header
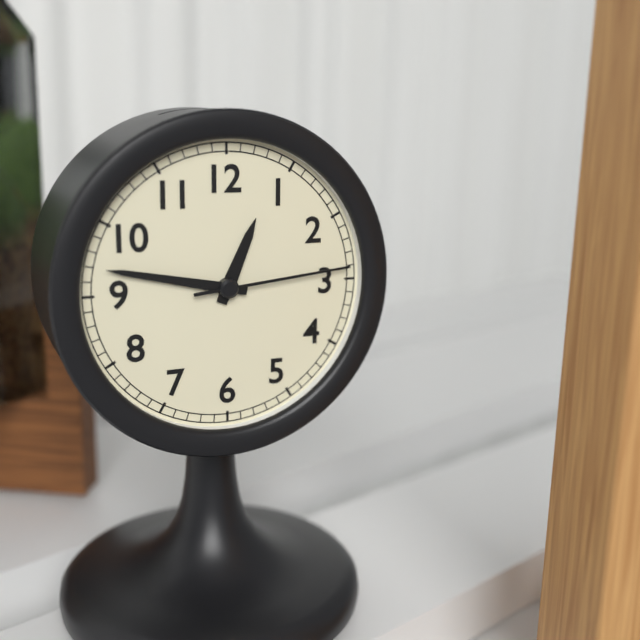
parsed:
12:47:14
